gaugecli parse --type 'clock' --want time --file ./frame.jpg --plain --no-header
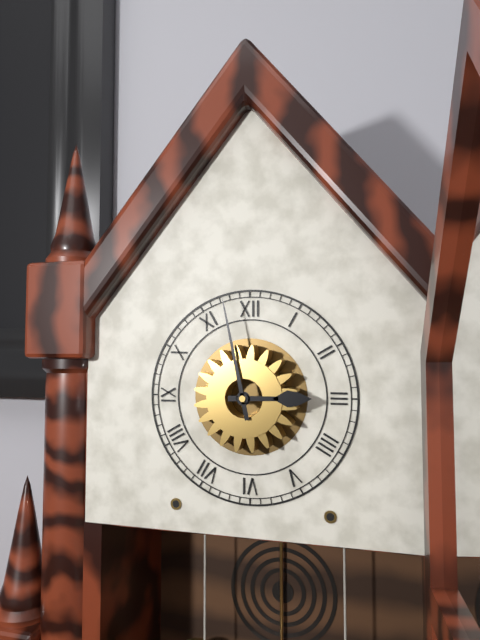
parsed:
2:58
